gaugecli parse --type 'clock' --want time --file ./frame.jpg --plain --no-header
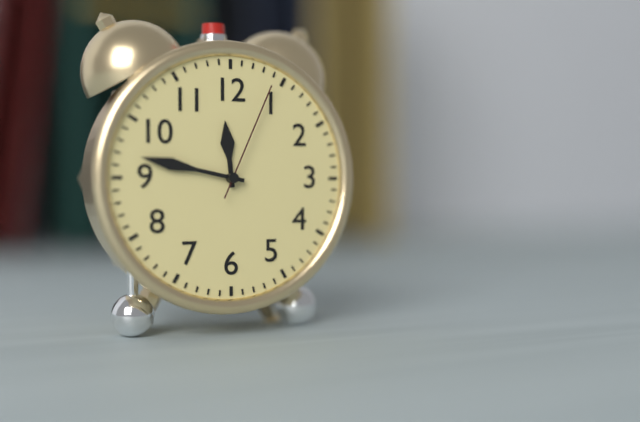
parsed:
11:47:04
